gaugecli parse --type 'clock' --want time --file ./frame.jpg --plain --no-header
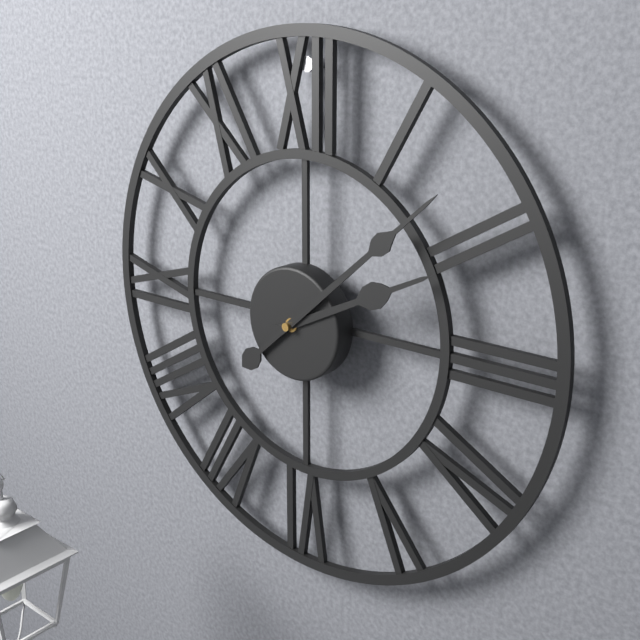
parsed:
2:08
